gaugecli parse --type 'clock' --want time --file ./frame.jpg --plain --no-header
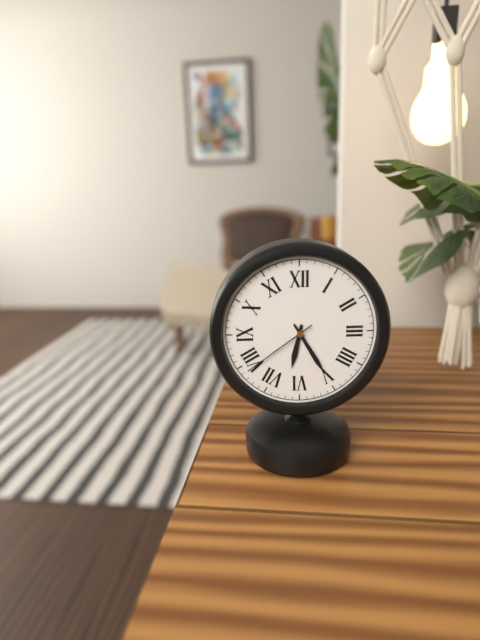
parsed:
6:25:39
